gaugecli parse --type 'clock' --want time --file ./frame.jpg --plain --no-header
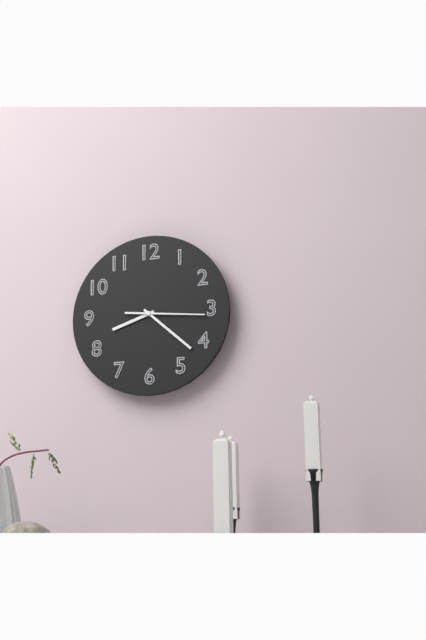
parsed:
8:22:16
